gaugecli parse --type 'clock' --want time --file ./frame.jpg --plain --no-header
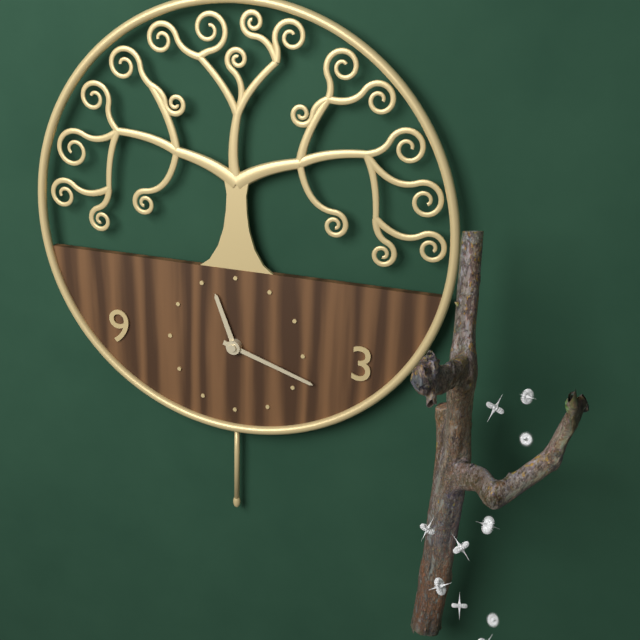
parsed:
11:18
